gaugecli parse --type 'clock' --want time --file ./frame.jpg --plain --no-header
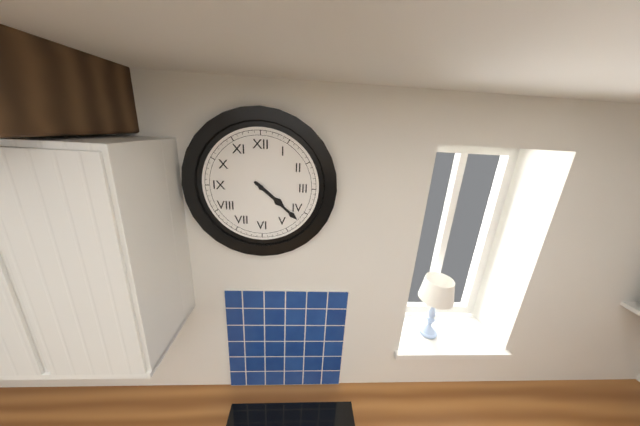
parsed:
4:22
